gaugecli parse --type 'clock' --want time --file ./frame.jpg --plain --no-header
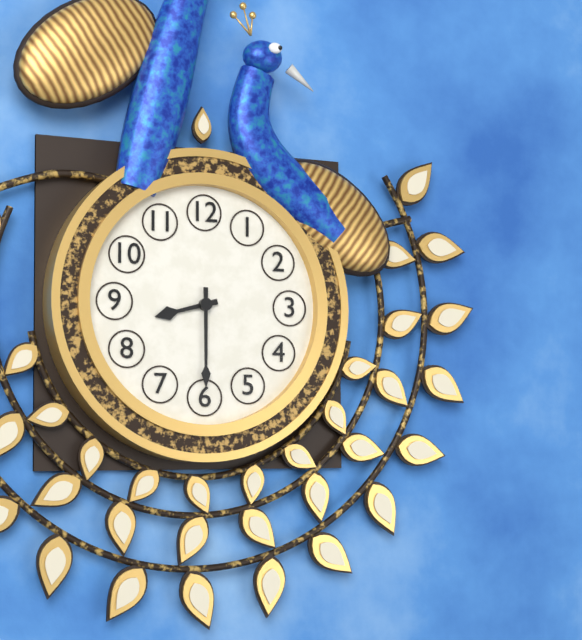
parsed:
8:30
